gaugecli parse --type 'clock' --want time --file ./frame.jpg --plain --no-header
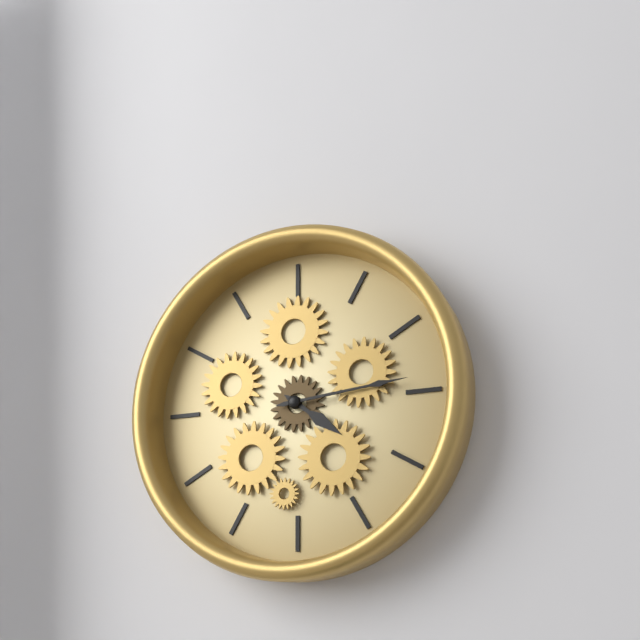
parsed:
4:14
